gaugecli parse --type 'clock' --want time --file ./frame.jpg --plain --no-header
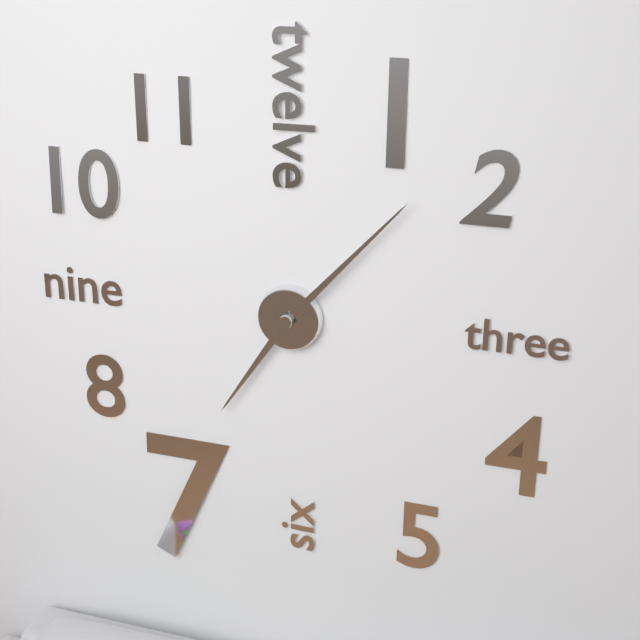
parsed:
7:07
